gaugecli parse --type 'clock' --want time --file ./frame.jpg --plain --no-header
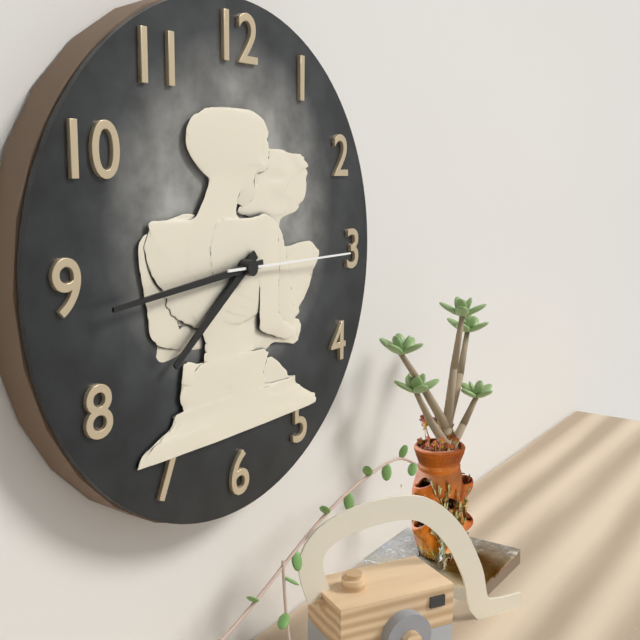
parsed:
7:44:15
